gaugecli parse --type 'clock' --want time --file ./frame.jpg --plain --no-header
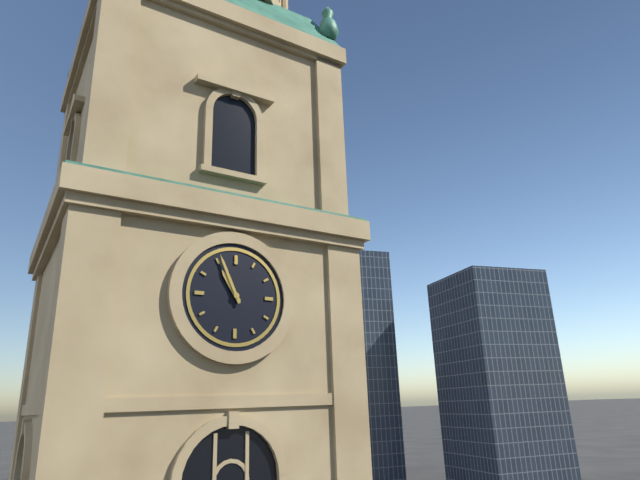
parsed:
10:56
